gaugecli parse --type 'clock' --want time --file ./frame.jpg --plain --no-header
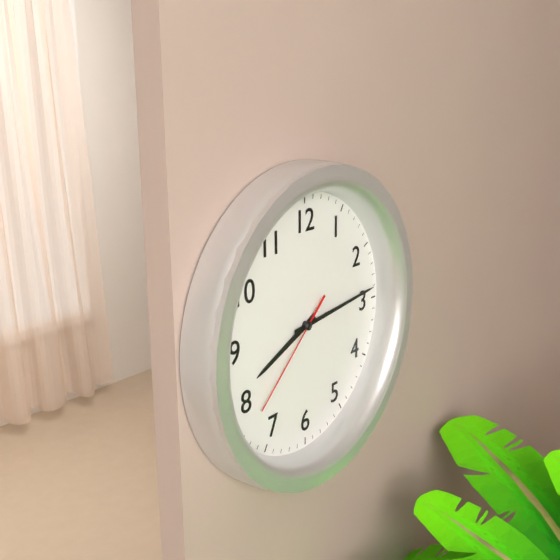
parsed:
8:14:38
